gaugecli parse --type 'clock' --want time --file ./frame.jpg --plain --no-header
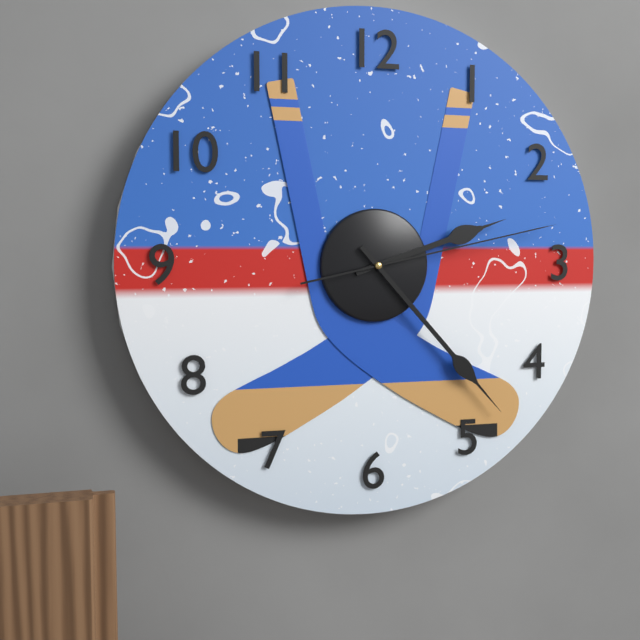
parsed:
2:23:13
